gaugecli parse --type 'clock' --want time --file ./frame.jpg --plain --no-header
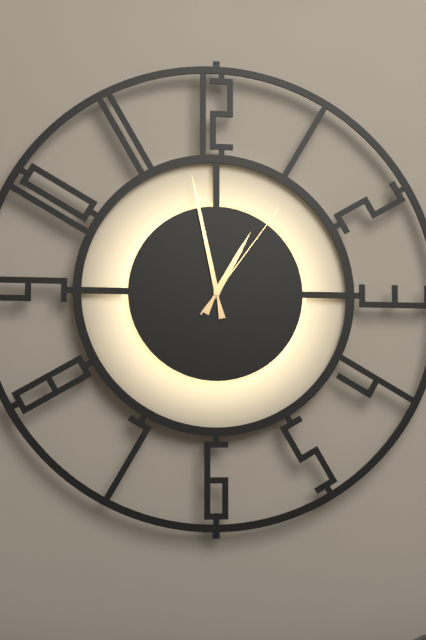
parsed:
12:58:06
